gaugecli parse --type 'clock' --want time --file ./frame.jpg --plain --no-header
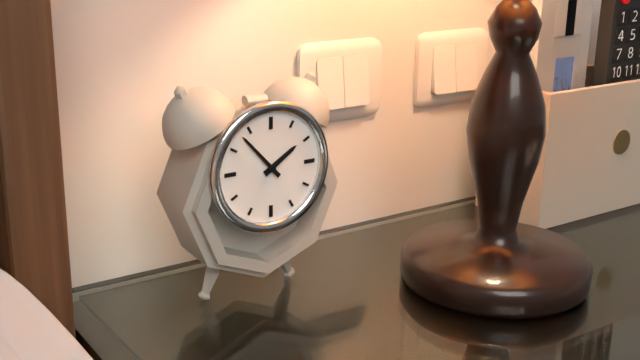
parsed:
1:53
